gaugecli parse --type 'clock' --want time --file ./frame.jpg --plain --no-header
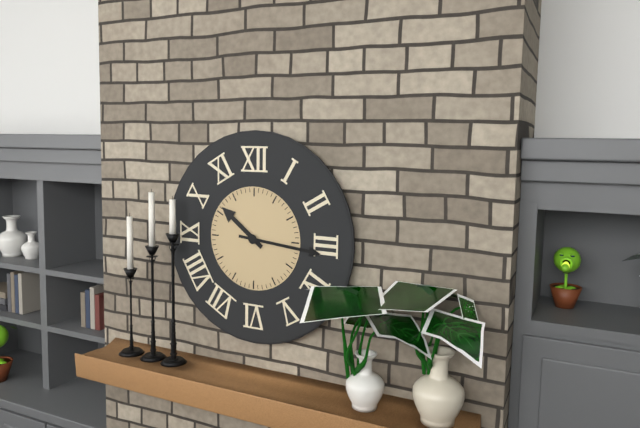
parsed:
10:16
